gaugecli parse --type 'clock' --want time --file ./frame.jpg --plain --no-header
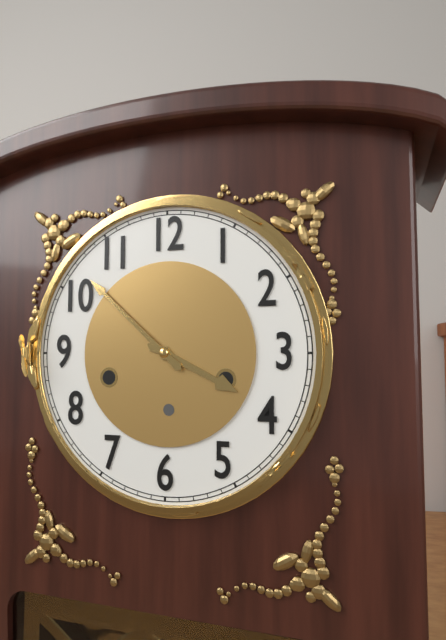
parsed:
3:52
